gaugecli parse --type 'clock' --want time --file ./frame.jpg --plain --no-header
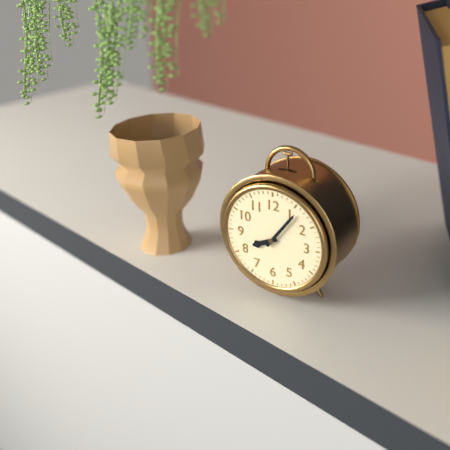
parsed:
8:06
